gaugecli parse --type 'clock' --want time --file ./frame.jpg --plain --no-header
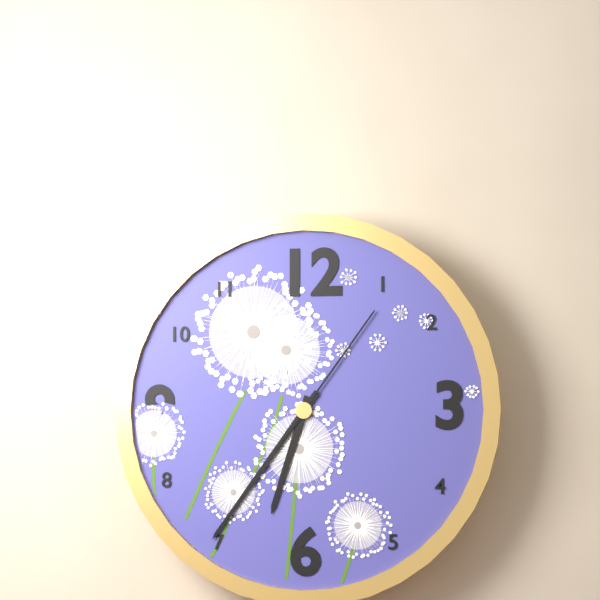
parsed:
6:36:06
